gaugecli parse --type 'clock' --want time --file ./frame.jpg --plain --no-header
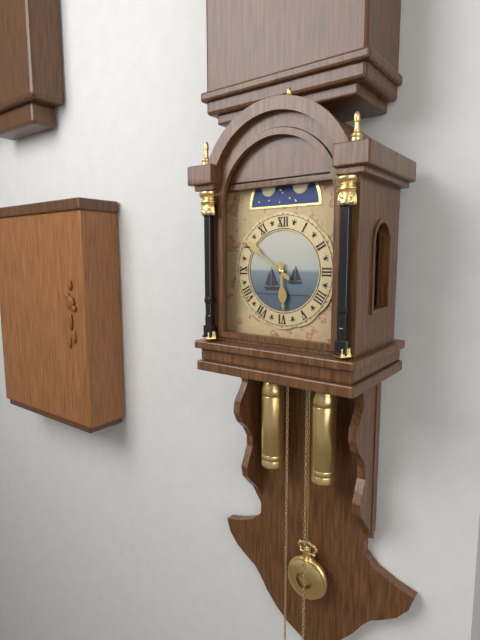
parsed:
5:51
